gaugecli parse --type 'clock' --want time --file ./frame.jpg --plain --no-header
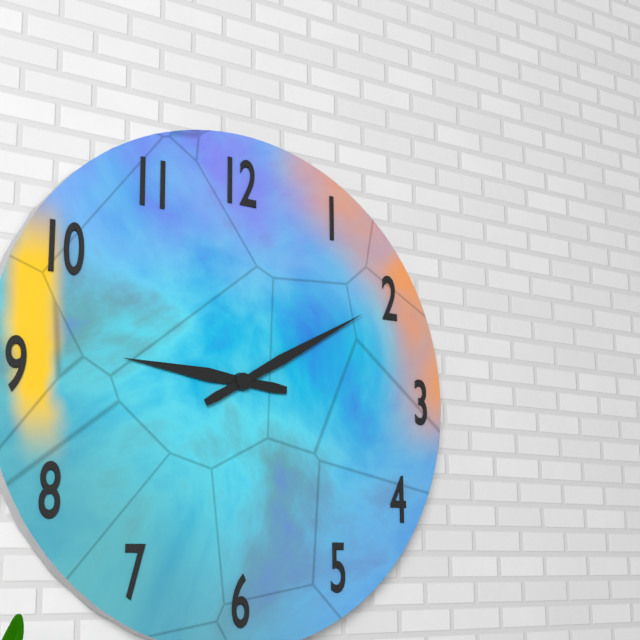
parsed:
9:10
